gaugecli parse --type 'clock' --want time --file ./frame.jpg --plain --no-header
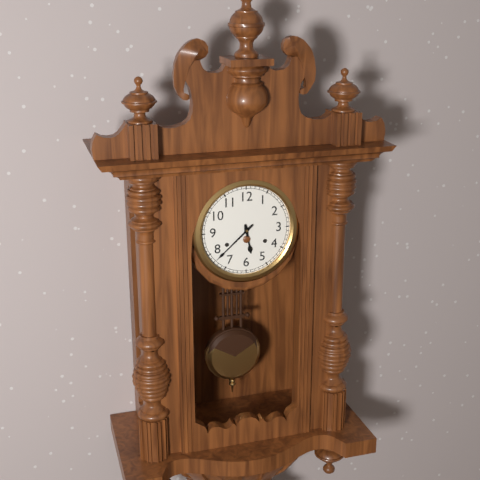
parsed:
5:38
